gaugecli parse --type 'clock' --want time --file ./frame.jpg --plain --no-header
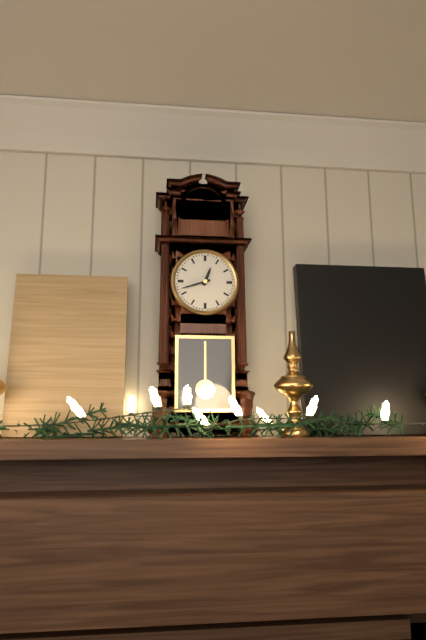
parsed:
12:42
